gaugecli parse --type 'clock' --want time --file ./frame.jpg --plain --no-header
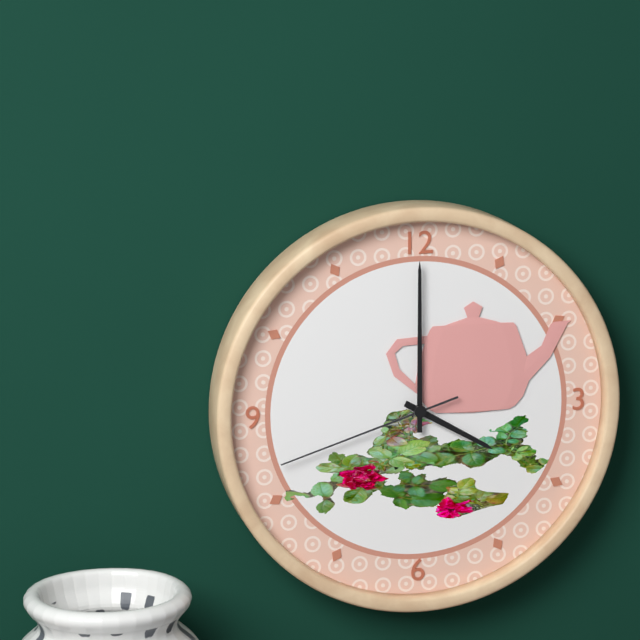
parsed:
4:00:42
